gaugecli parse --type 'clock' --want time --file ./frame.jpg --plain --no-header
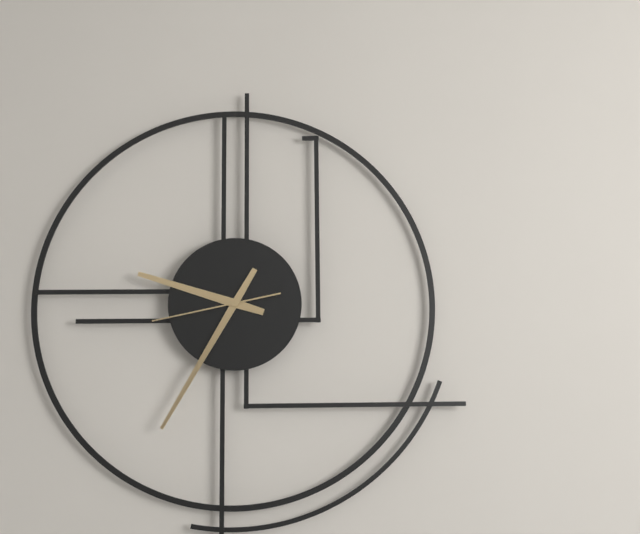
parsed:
9:35:43
